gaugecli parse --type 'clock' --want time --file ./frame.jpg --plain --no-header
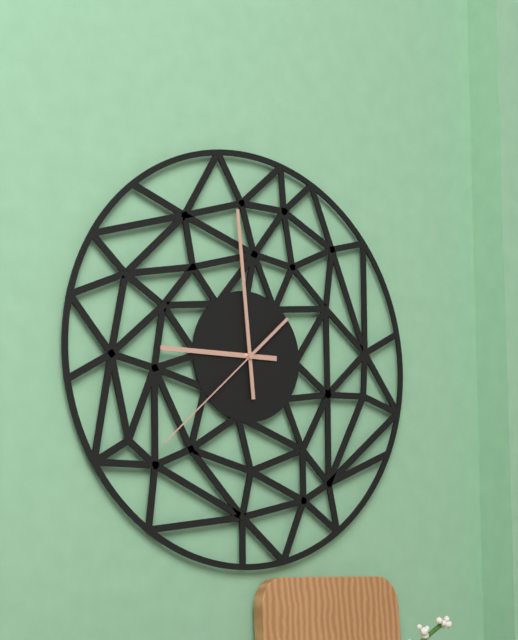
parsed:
8:59:38
